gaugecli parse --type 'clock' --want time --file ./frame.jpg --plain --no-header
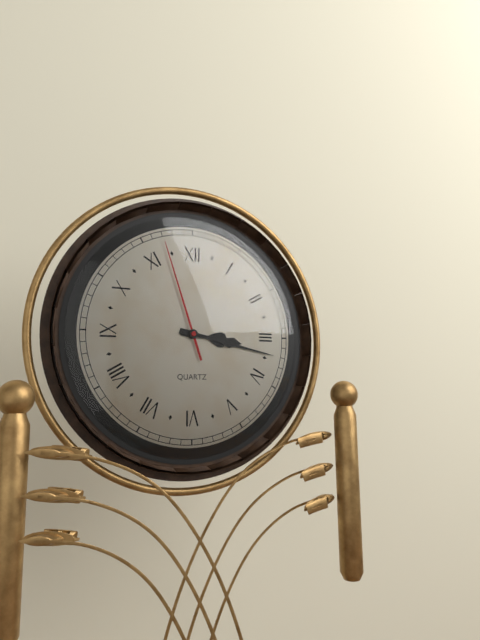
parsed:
3:17:57
